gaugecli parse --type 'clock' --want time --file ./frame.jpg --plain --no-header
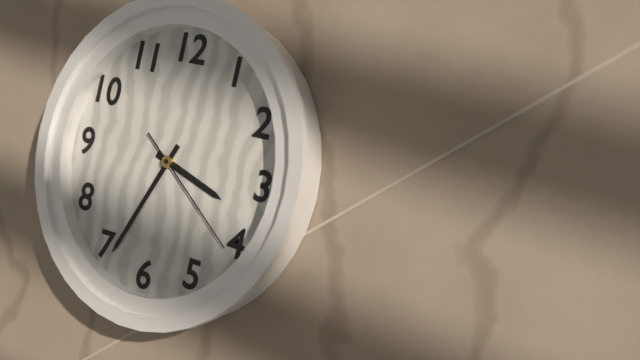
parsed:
3:34:21
